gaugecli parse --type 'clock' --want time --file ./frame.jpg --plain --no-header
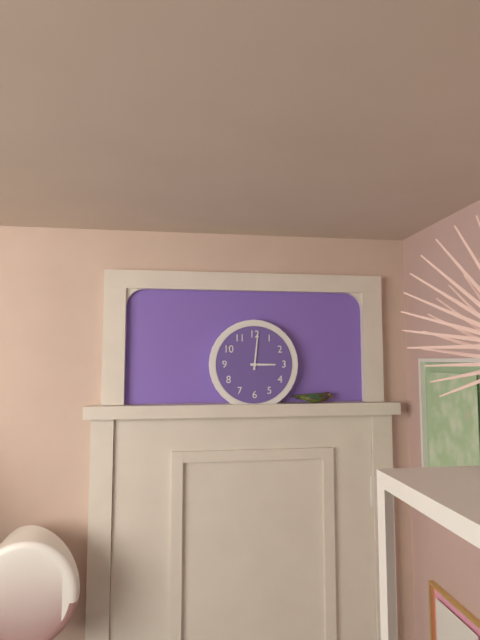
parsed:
3:01
